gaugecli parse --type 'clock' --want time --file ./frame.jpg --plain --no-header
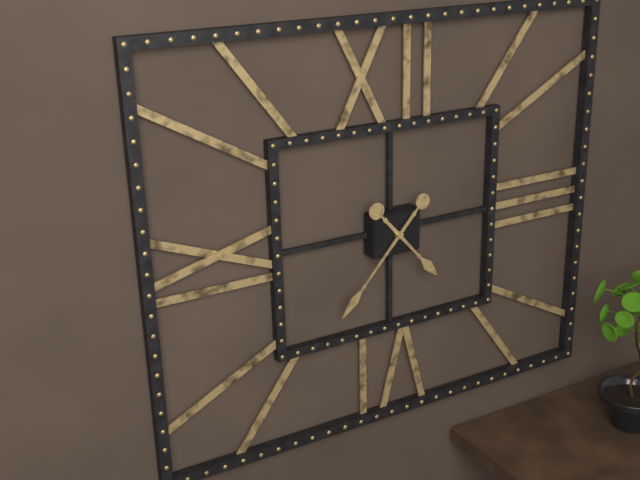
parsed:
4:37
